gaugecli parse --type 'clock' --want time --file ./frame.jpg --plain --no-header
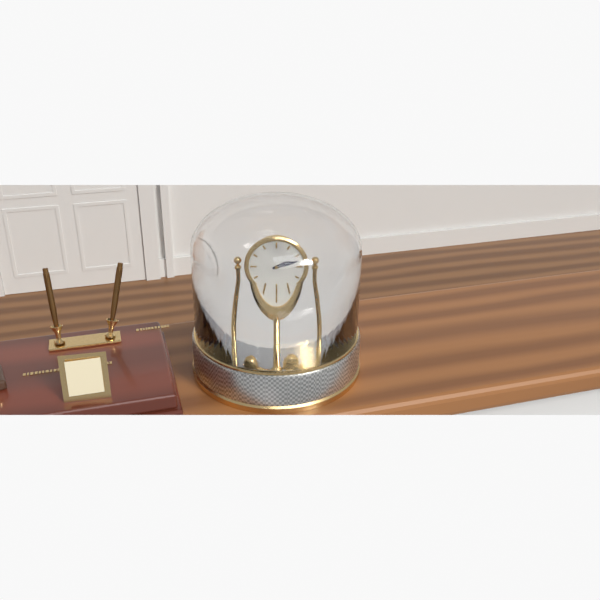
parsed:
2:12
